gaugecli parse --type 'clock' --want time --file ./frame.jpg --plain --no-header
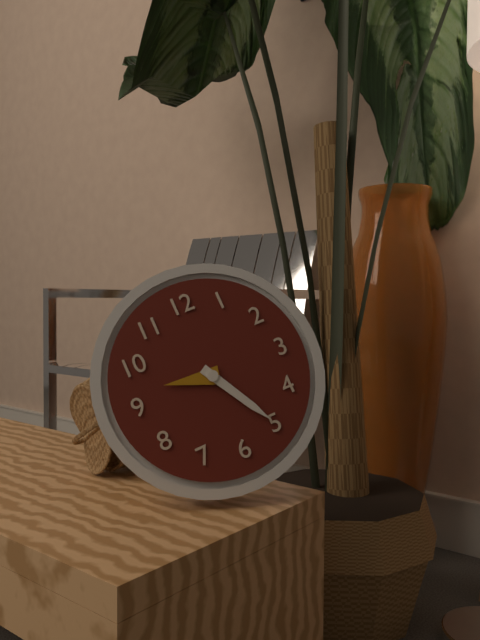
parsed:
9:25
